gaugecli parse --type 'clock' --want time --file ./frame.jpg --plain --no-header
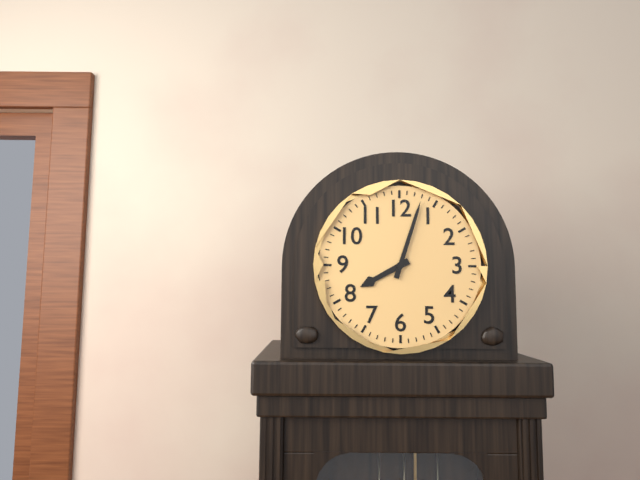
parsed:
8:03
